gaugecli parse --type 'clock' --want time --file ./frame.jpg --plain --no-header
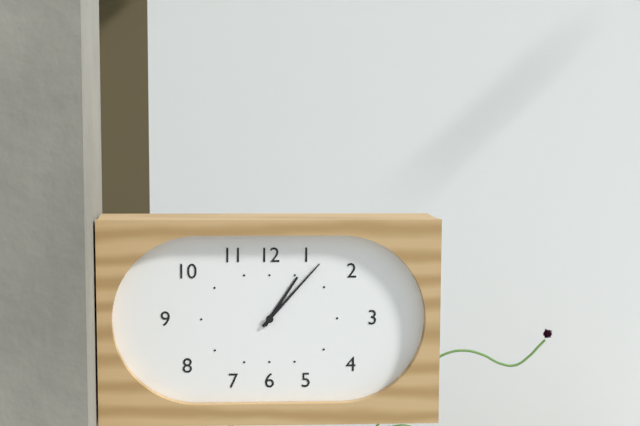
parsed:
1:07
